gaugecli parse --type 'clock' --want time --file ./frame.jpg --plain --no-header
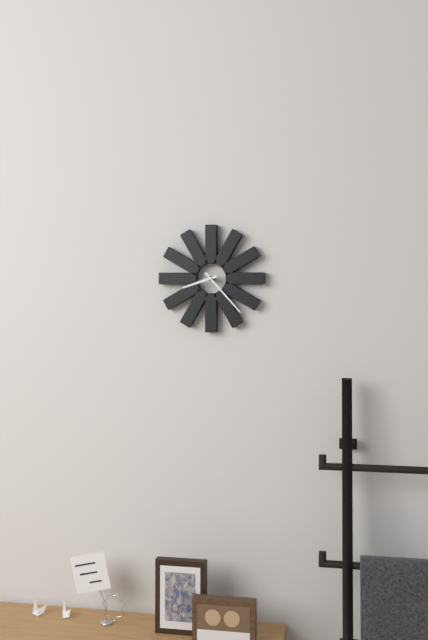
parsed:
8:23
